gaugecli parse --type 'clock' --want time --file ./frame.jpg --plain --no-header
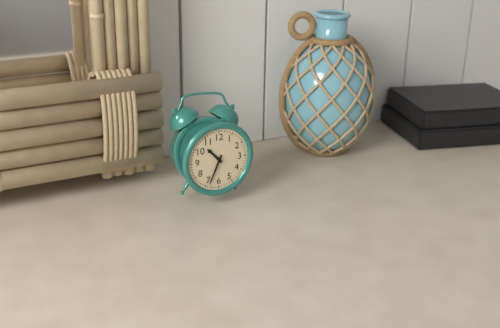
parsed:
10:34
